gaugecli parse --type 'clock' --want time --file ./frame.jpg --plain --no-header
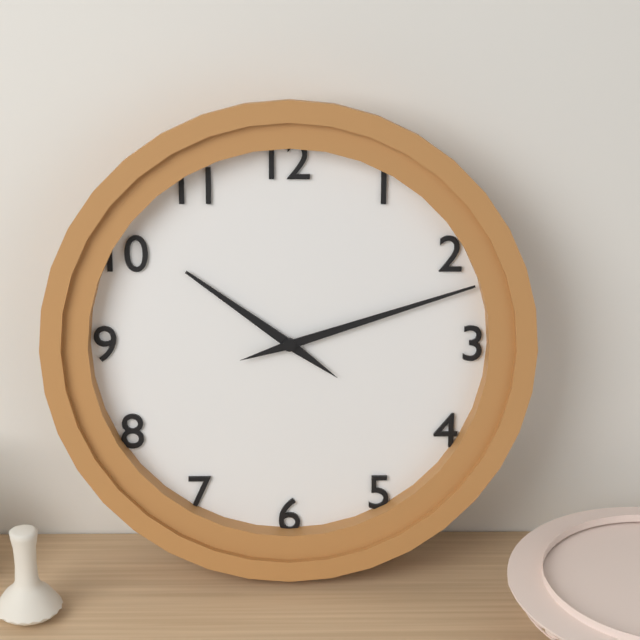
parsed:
10:12
